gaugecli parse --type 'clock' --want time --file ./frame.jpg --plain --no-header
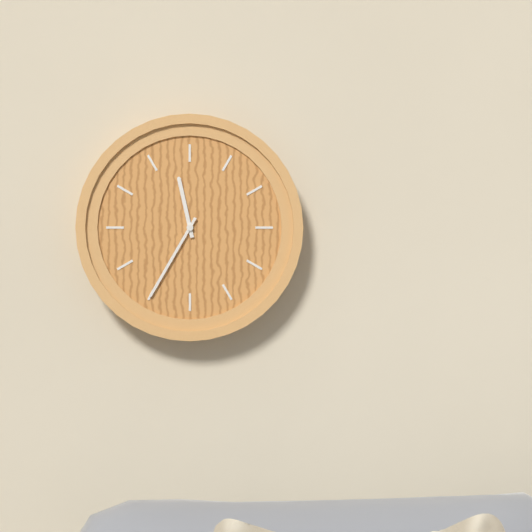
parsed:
11:35
